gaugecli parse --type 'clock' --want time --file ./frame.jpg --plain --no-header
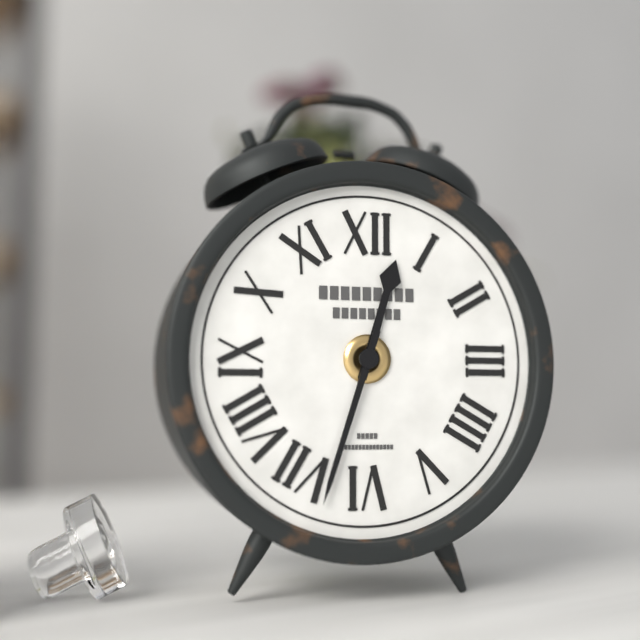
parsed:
12:33
